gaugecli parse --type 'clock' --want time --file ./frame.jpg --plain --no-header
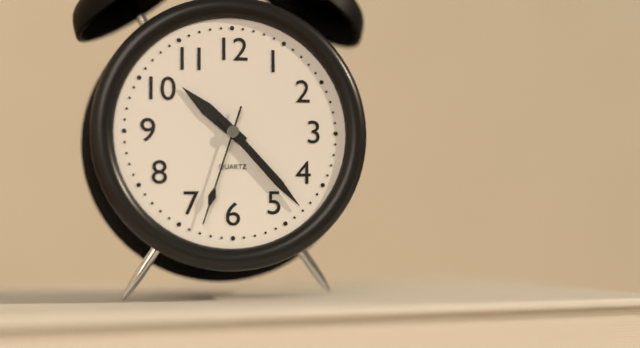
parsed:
10:23:33
